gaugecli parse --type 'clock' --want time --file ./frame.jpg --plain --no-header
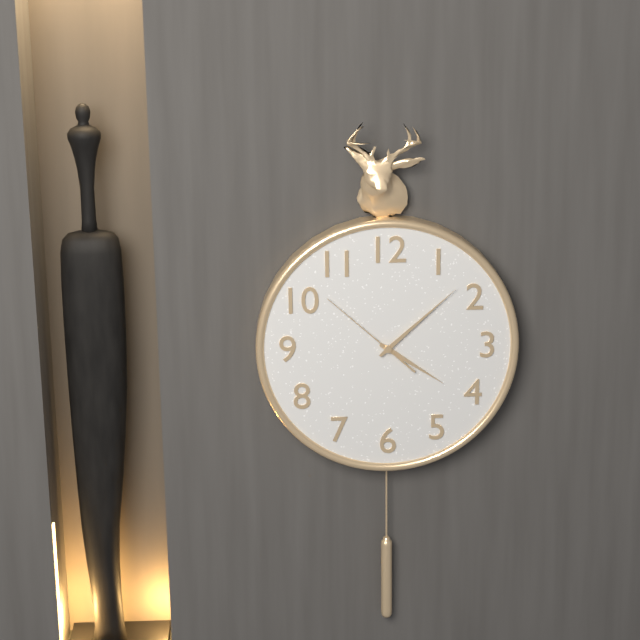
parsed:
4:08:52
